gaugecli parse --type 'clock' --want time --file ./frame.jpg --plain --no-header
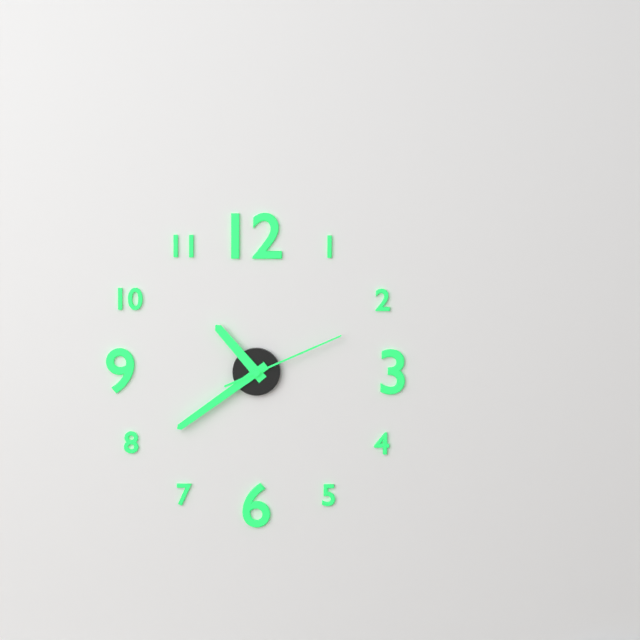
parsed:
10:39:11
